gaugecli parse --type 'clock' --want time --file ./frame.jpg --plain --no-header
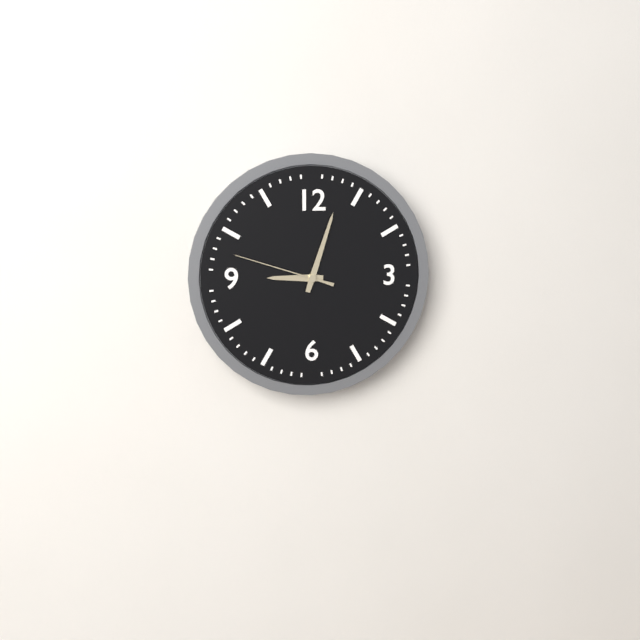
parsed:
9:03:48
